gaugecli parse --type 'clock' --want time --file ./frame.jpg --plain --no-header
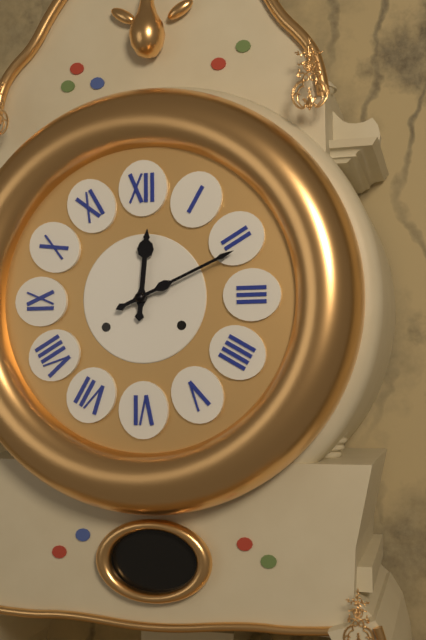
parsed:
12:11
